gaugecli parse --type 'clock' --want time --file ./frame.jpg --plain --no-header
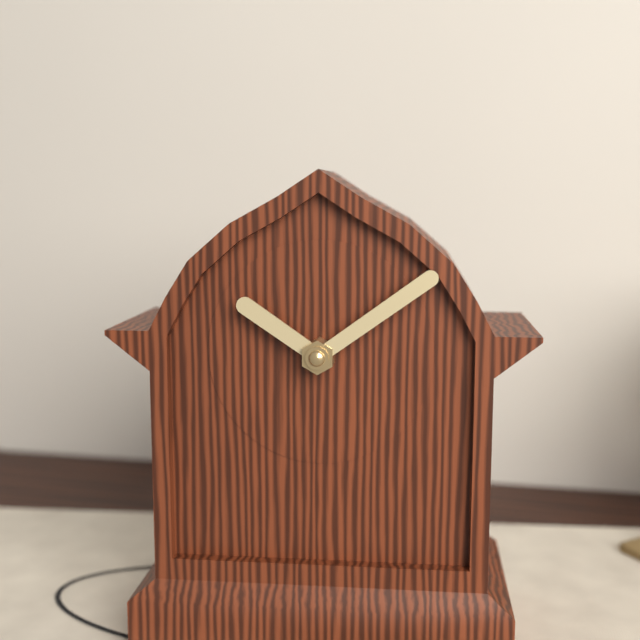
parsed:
10:09
